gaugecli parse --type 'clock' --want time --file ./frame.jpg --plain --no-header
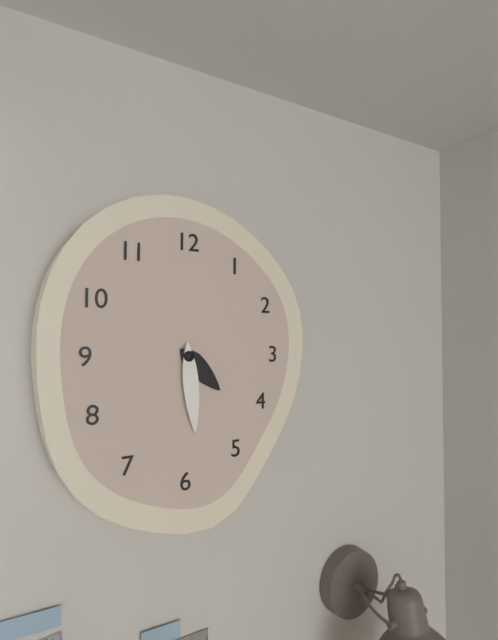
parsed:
4:29
